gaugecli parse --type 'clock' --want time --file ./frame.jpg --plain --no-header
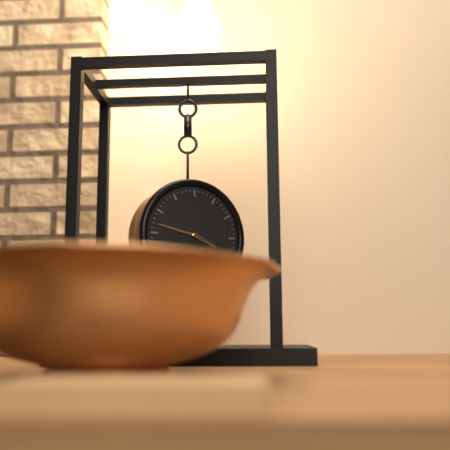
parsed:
3:47
